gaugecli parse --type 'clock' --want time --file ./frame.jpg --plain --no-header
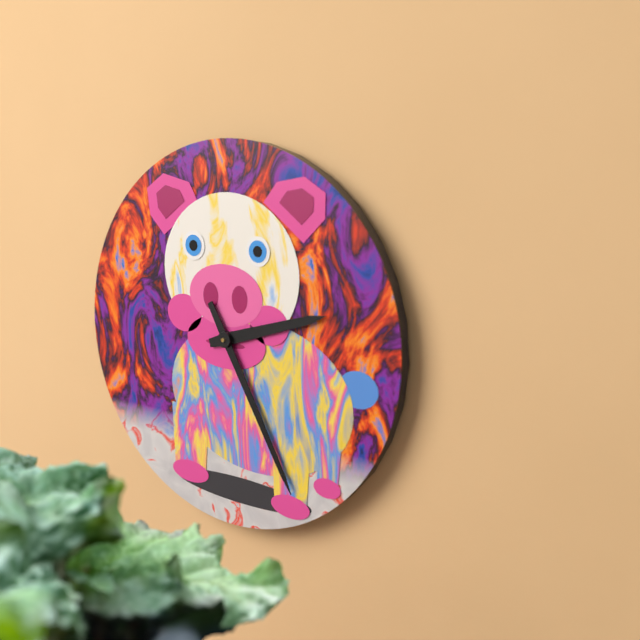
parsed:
2:25
